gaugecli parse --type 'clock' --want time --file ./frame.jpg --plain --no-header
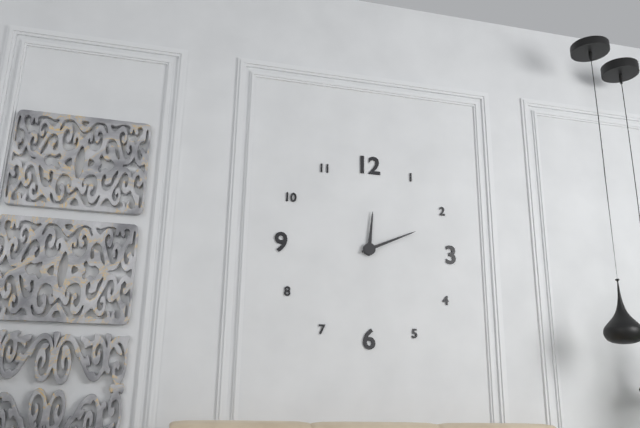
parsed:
12:11
